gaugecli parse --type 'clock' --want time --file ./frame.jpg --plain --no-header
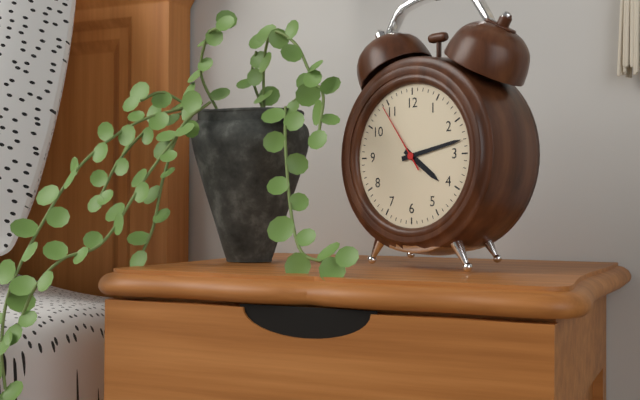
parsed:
4:13:54
